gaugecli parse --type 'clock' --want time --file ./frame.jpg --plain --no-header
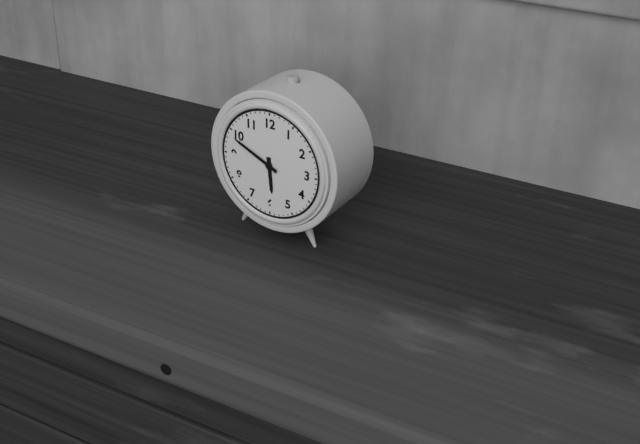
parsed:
5:49
